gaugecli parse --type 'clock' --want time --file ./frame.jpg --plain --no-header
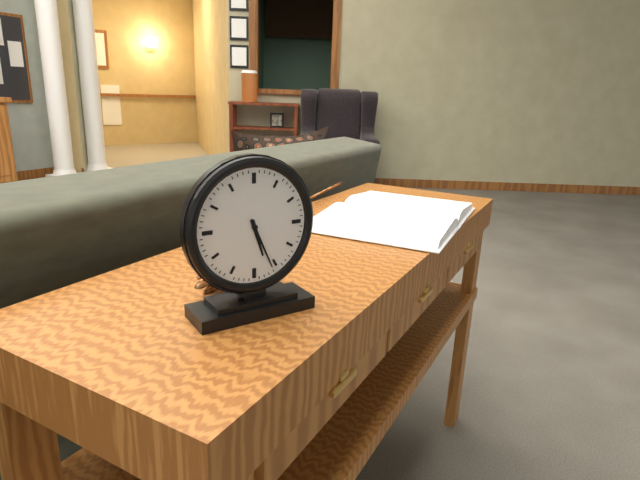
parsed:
5:26
